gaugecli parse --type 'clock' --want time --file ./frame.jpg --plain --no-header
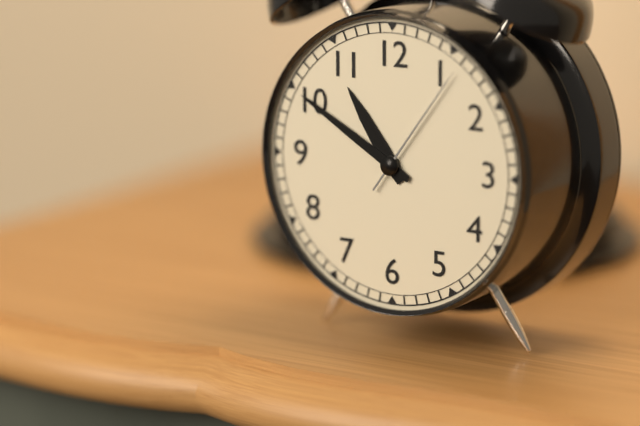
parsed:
10:50:06
